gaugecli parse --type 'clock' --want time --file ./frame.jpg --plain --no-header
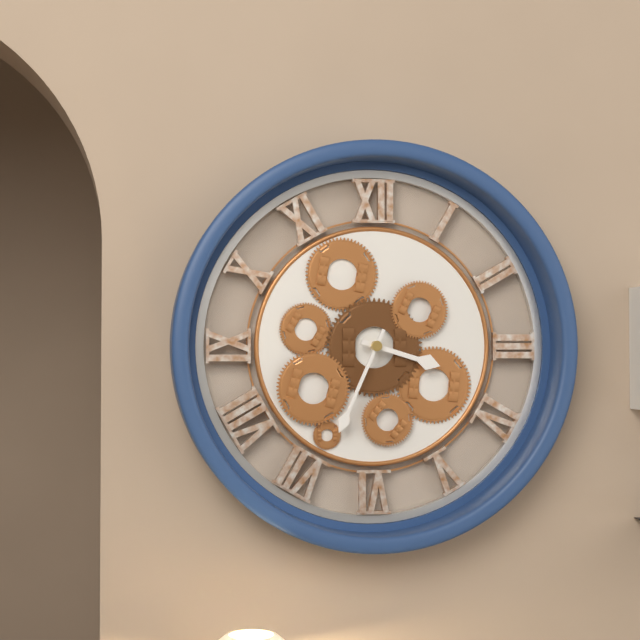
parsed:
3:34
